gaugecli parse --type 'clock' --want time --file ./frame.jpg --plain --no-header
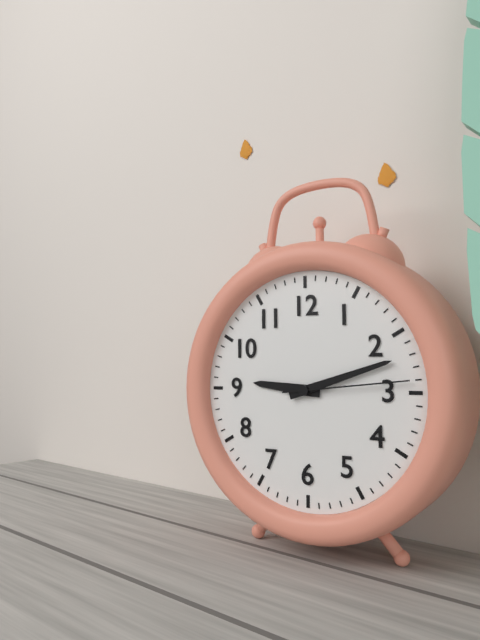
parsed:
9:12:14
